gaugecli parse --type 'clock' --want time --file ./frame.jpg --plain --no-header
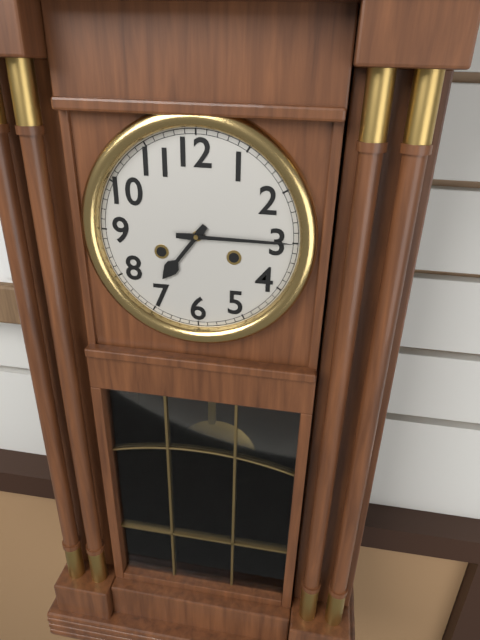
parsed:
7:15
